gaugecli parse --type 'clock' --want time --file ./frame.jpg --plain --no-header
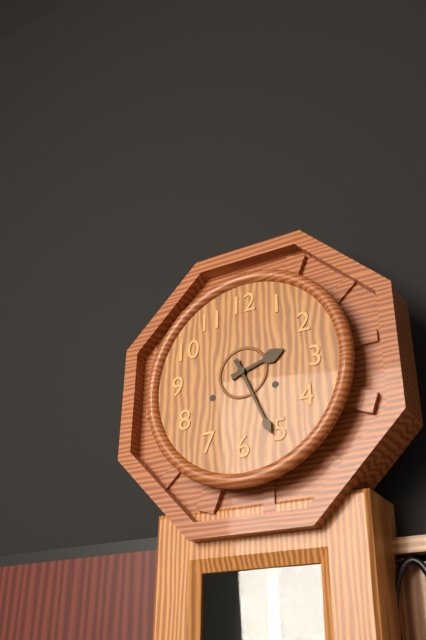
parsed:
2:26
